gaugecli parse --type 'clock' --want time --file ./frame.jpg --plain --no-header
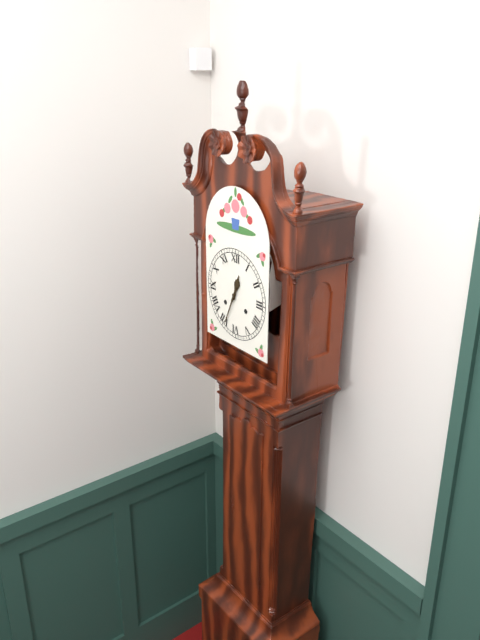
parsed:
12:34
